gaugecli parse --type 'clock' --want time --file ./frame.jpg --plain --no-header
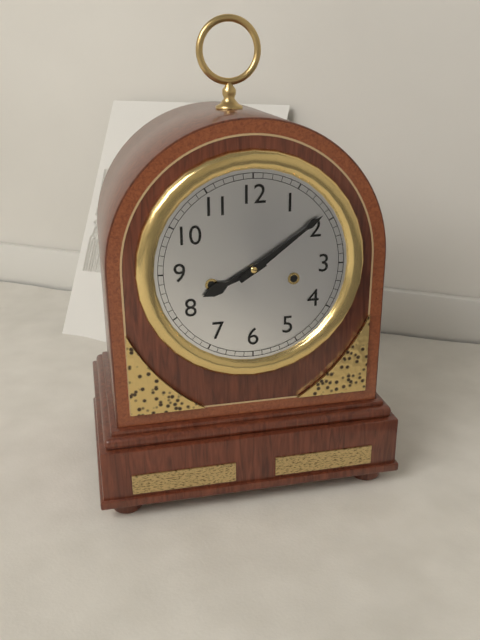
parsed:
8:09
